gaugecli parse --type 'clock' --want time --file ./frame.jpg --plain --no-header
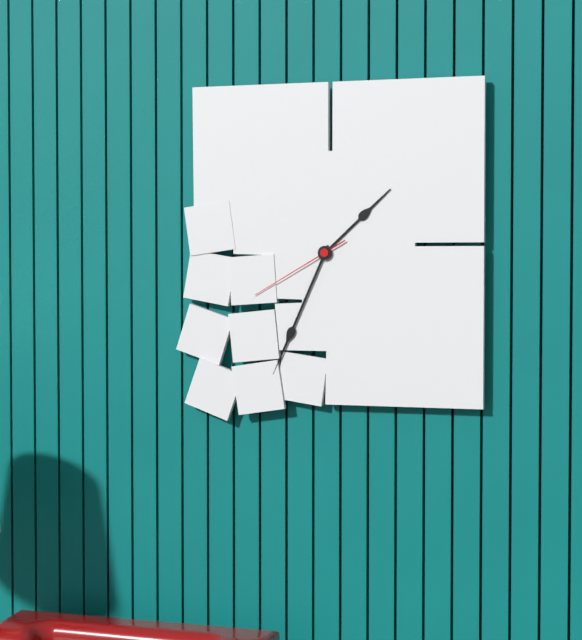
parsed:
1:34:40
